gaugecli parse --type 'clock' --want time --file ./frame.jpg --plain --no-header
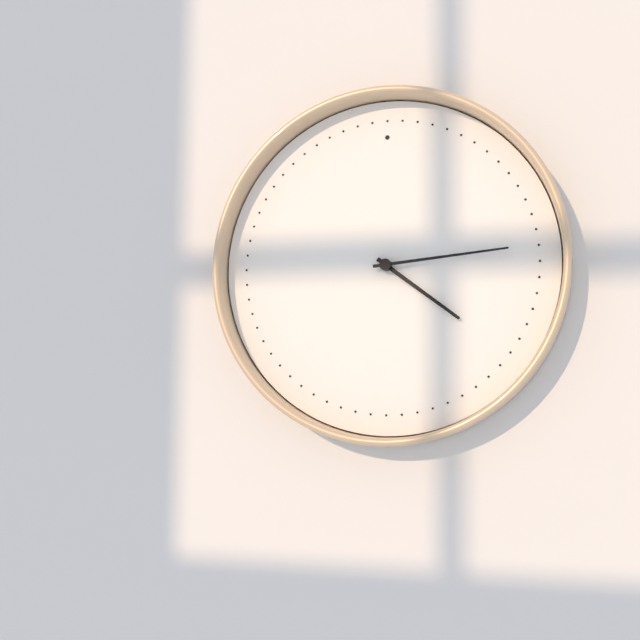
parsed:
4:14
